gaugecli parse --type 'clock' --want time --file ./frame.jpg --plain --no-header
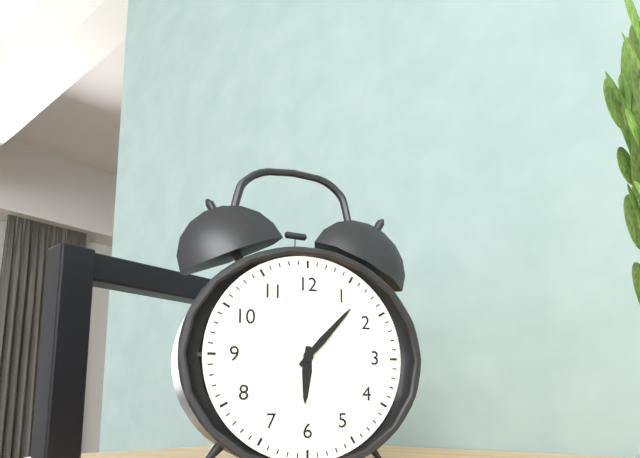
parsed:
6:07
